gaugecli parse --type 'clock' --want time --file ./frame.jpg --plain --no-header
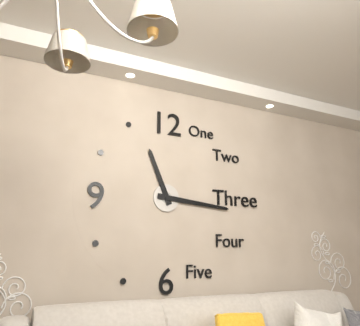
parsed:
11:16
